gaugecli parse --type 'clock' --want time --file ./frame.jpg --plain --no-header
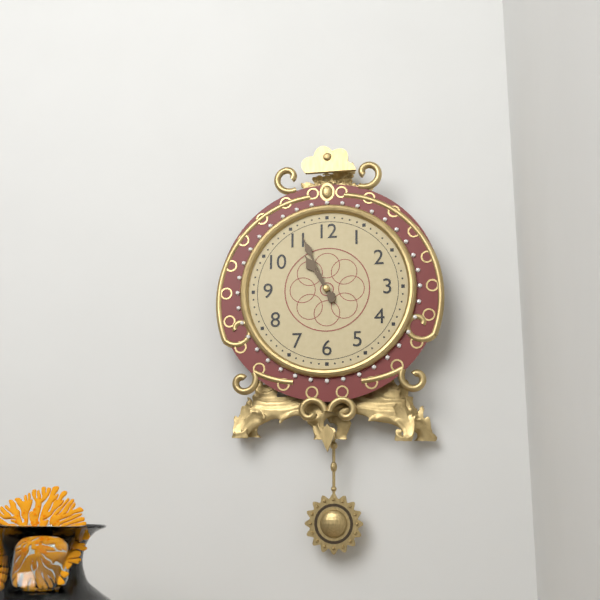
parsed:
10:56
